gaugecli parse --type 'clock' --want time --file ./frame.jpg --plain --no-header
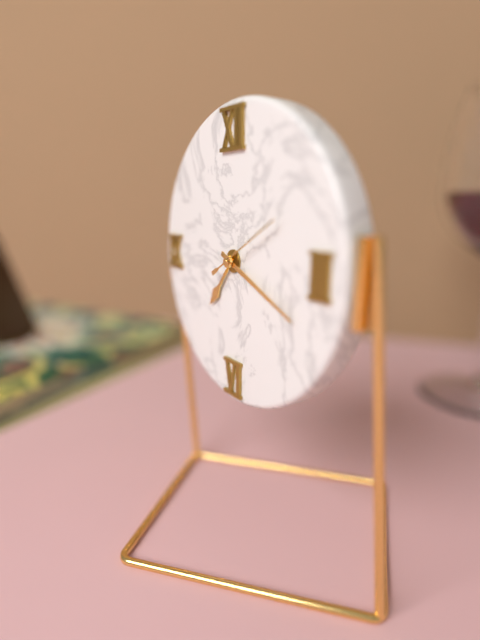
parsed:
7:19:10
